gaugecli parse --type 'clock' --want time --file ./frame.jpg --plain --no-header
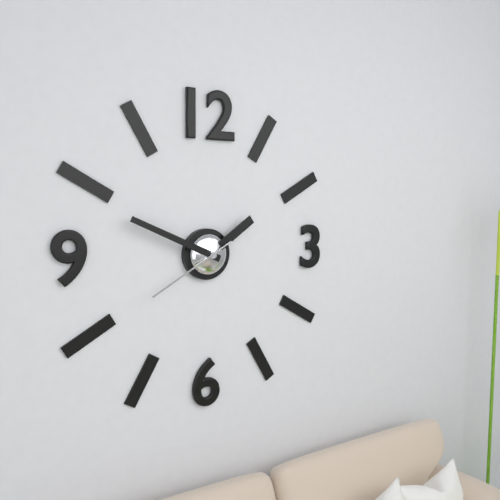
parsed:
1:49:40
